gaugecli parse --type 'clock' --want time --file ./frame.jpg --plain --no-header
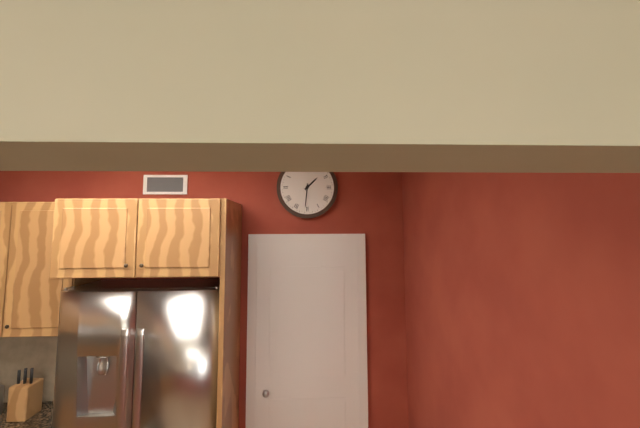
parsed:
1:31
